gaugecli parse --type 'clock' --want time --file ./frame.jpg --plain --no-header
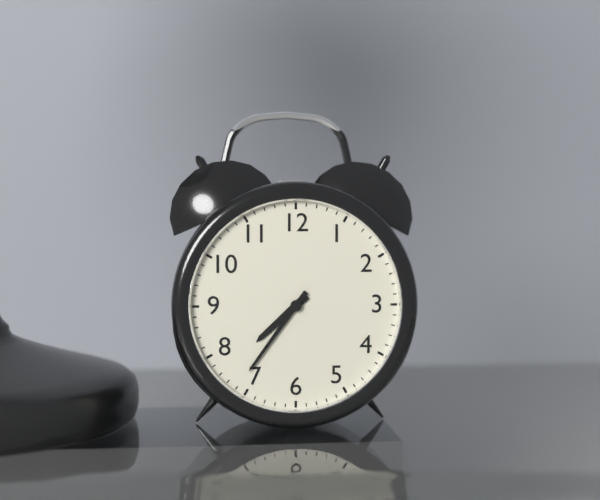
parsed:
7:36
